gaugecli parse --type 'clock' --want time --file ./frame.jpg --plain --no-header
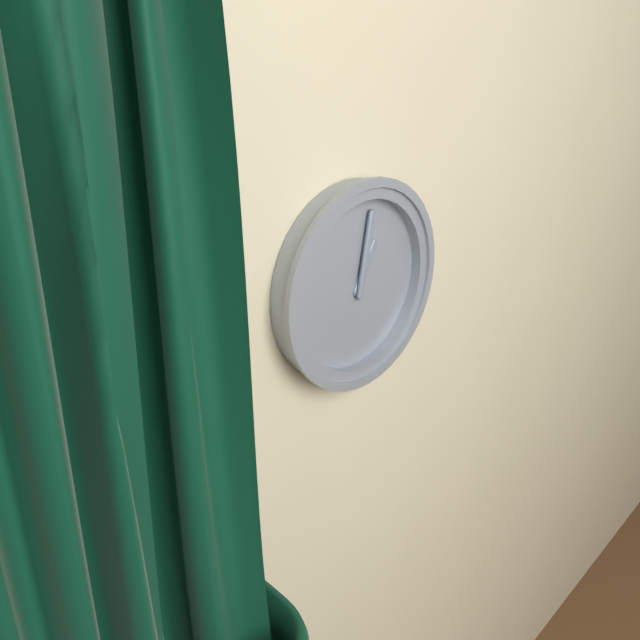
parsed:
1:02
